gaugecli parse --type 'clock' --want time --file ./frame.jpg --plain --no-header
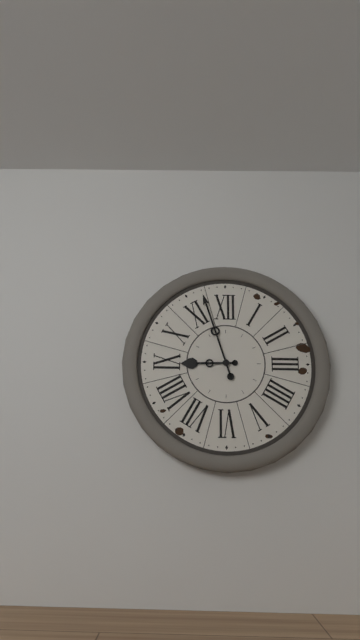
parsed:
8:57
